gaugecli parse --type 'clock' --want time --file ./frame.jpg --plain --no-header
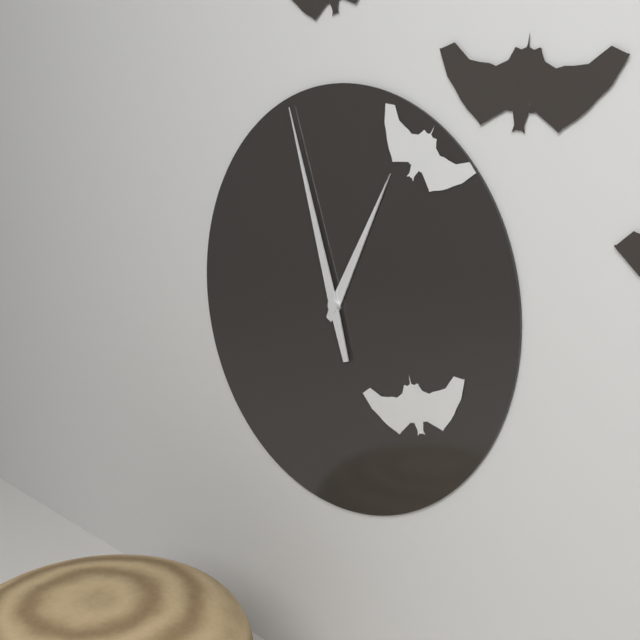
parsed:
12:57
